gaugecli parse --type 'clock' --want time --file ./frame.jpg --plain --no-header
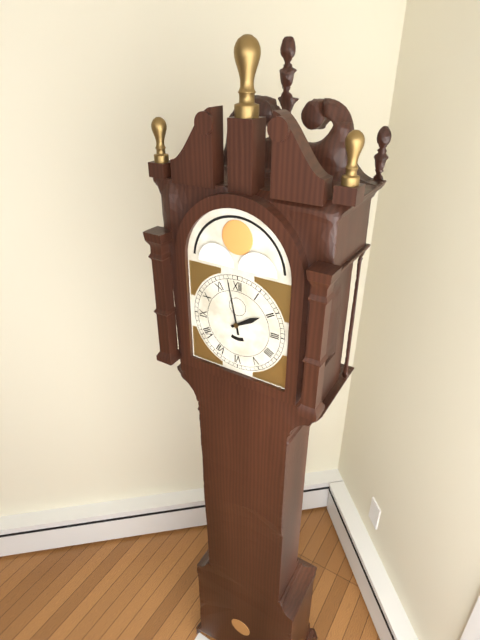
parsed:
1:58
